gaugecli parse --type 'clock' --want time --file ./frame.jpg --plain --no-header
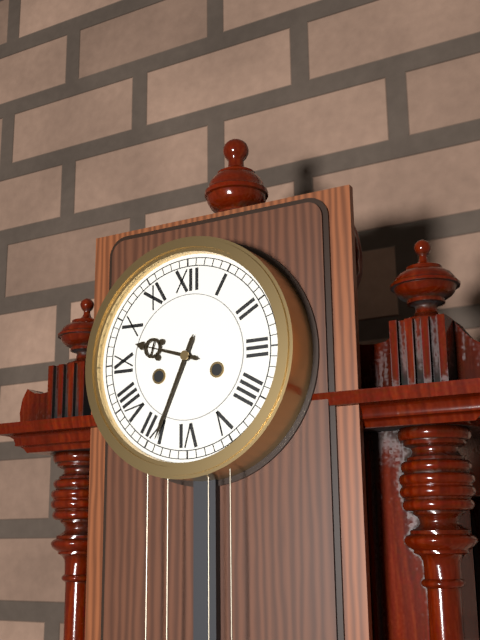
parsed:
9:34
